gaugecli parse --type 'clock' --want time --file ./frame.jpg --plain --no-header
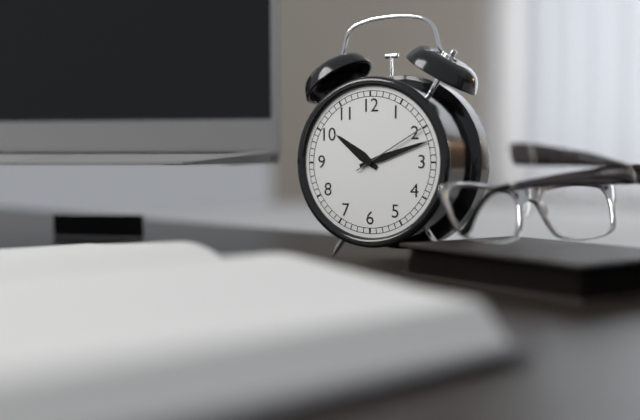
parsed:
10:12:10
